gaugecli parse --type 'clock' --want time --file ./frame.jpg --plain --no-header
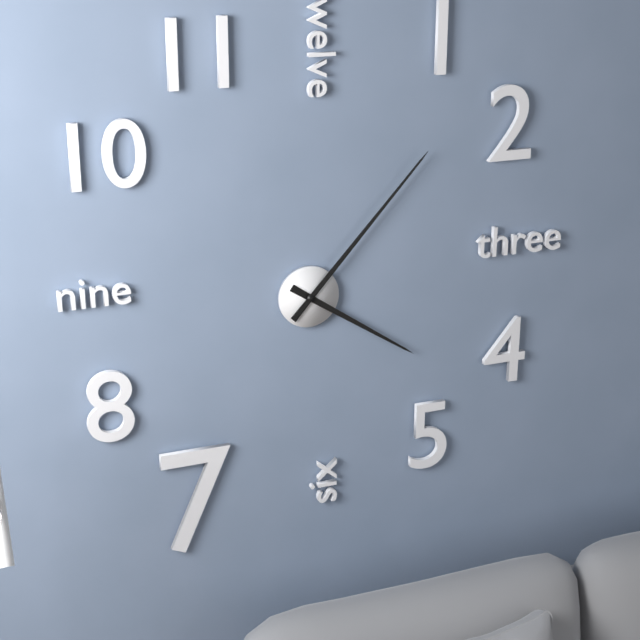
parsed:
4:07
